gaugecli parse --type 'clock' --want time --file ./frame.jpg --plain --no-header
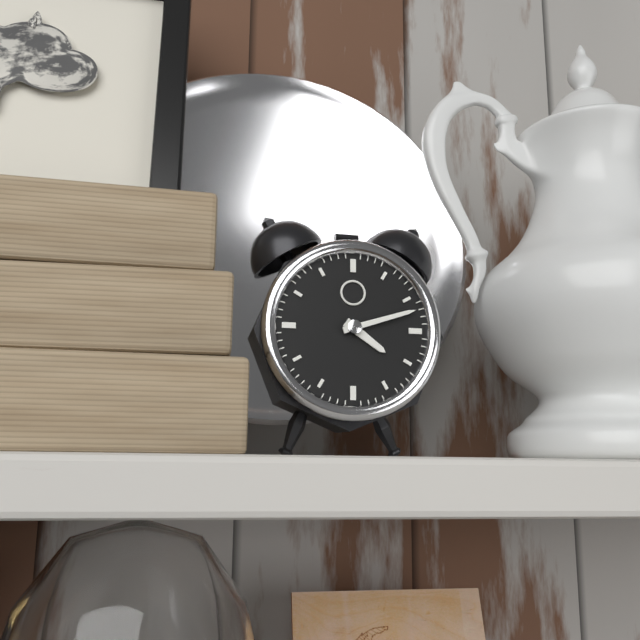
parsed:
4:12
